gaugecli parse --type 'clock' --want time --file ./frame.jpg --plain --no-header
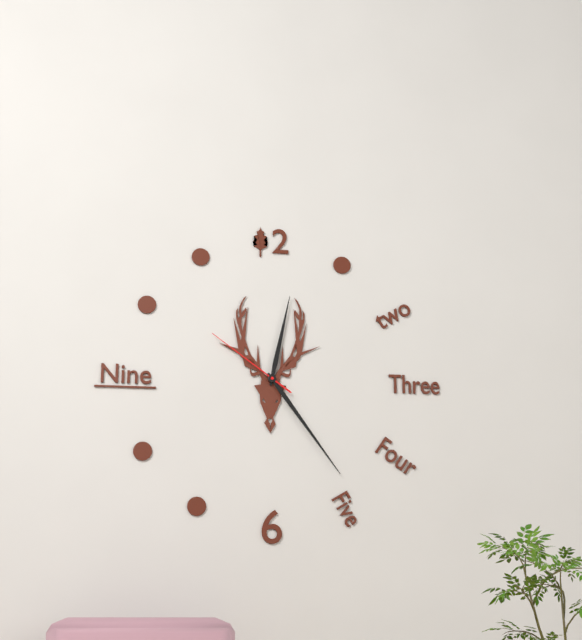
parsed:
12:24:51
